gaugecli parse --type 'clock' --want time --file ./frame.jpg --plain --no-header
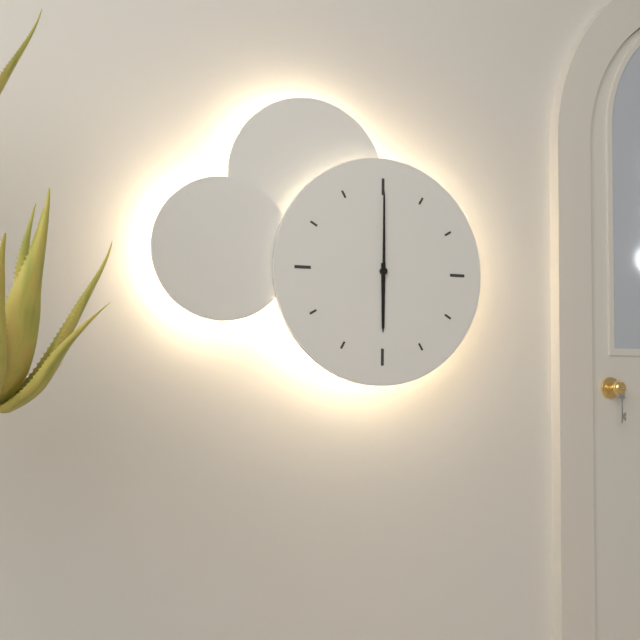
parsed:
6:00
